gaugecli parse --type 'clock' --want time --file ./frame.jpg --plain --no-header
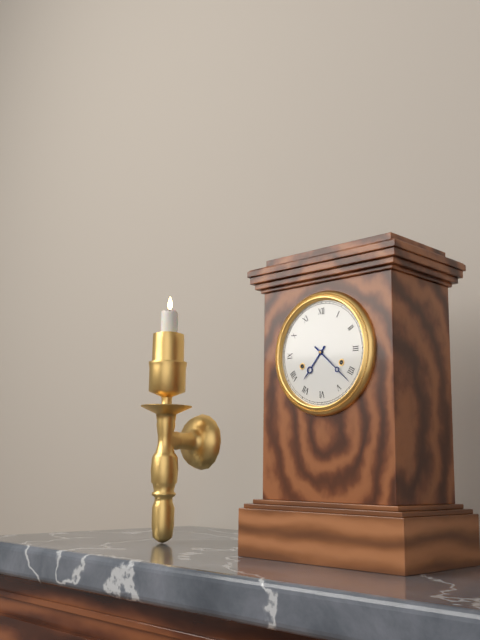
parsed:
7:22
